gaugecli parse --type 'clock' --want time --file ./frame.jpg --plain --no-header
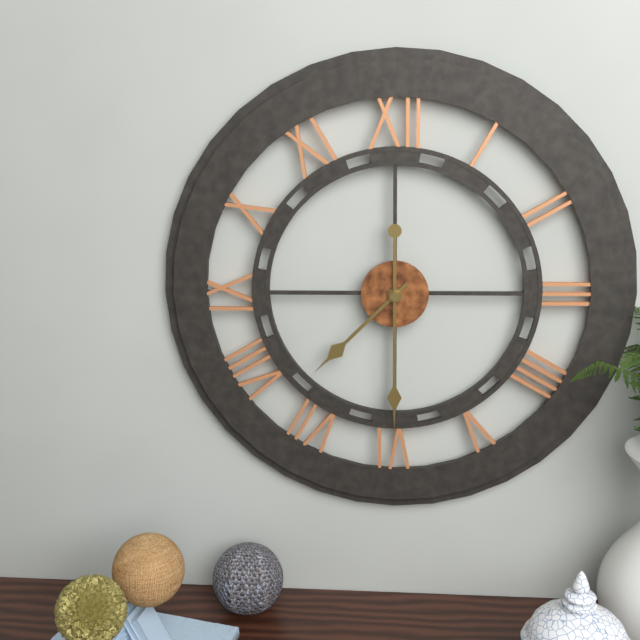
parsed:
7:30
